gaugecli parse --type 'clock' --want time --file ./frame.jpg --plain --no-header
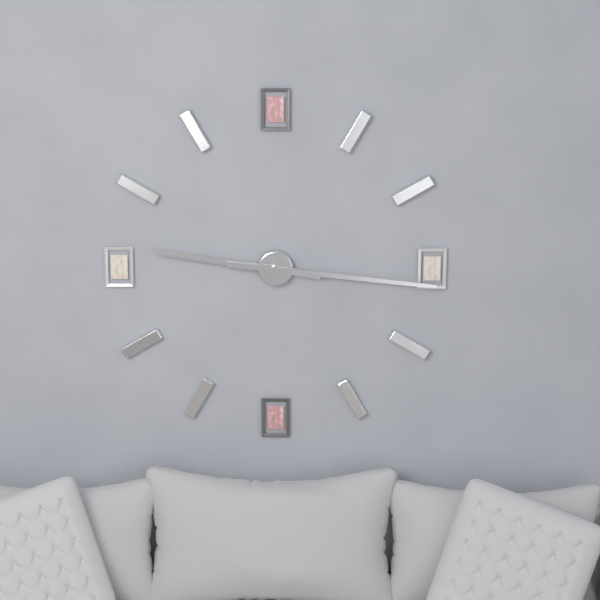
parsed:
9:16
